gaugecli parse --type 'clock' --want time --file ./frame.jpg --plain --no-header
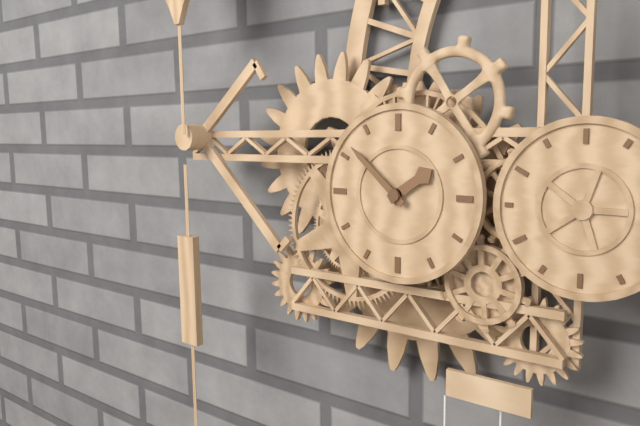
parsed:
1:52
